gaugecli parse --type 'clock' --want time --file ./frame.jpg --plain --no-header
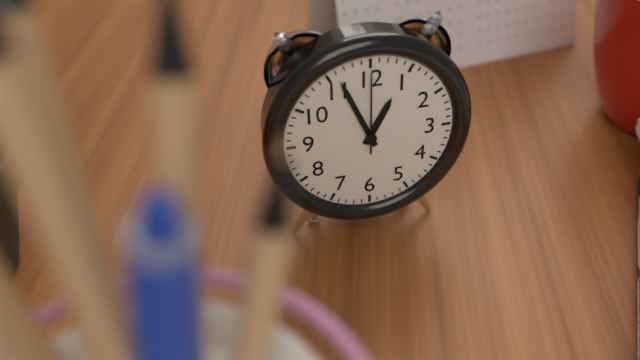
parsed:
12:56:00
